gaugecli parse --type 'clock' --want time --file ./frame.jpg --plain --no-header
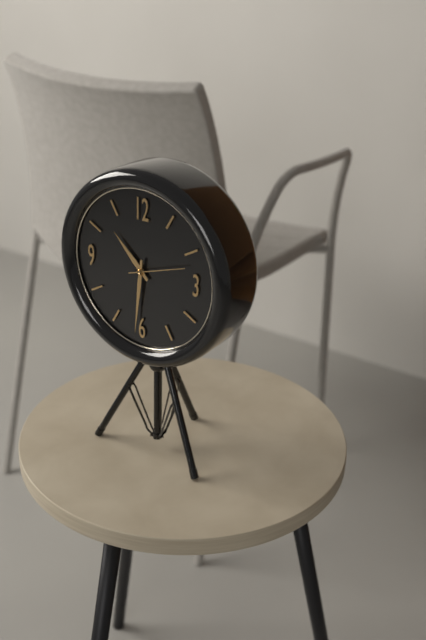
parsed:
10:31:12
